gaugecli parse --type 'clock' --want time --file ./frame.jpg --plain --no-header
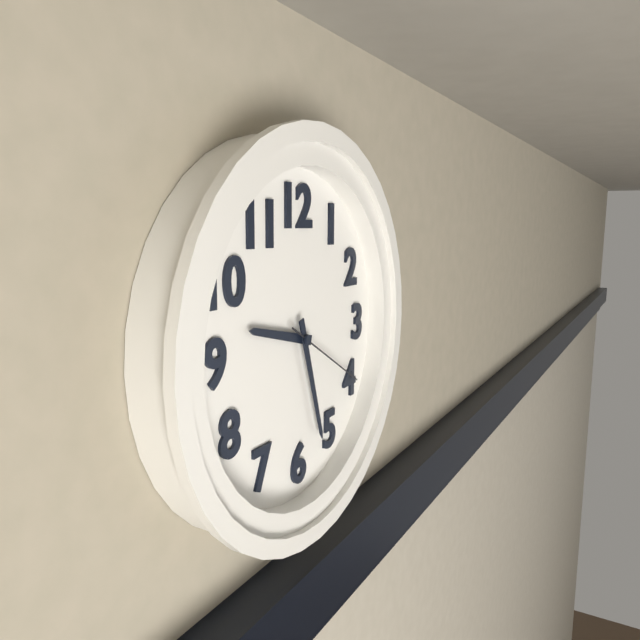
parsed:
9:27:20
